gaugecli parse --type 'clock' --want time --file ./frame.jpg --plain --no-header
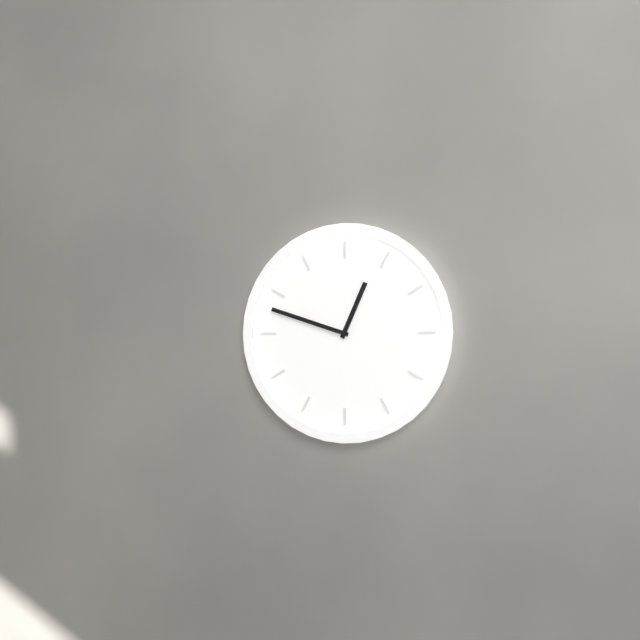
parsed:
12:48
